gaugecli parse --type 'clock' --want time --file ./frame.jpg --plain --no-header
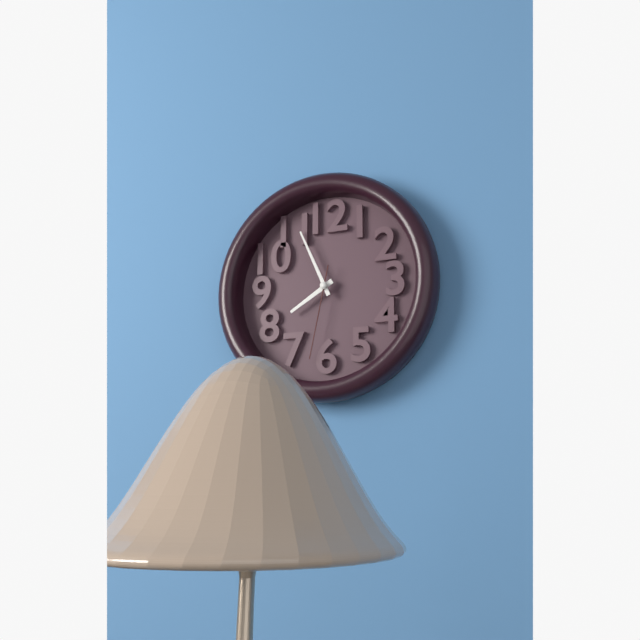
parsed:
7:56:32
